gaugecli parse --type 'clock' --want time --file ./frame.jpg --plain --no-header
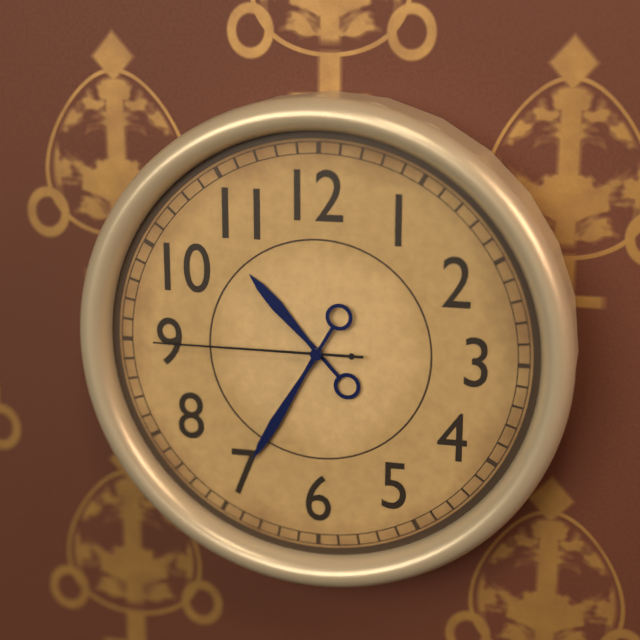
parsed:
10:35:45
